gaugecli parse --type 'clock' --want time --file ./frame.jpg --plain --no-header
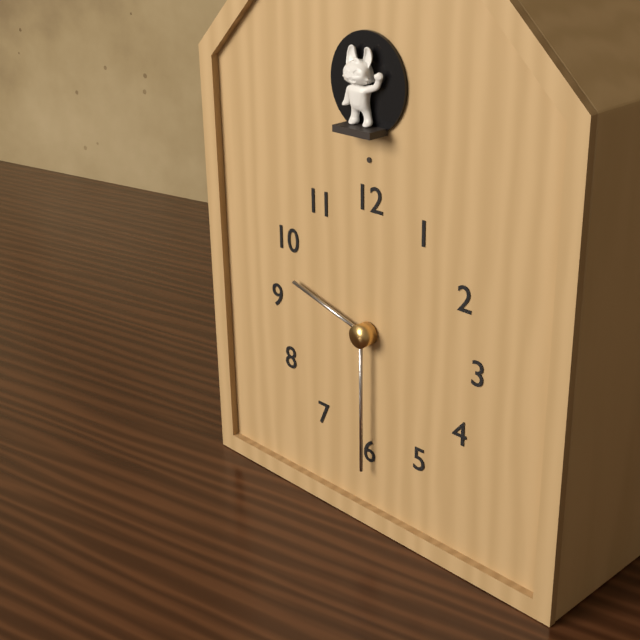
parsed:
9:30
